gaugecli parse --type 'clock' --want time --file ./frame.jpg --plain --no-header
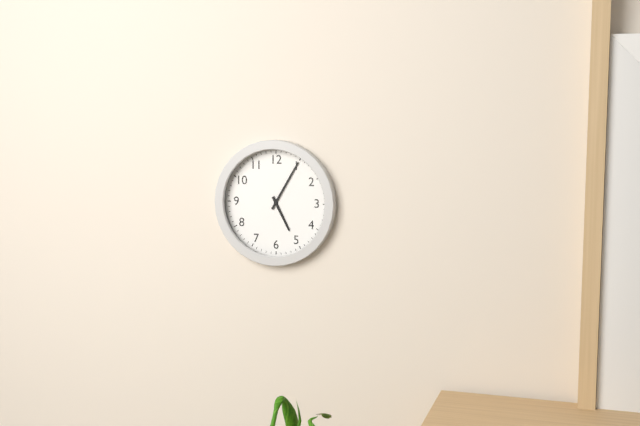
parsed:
5:05
